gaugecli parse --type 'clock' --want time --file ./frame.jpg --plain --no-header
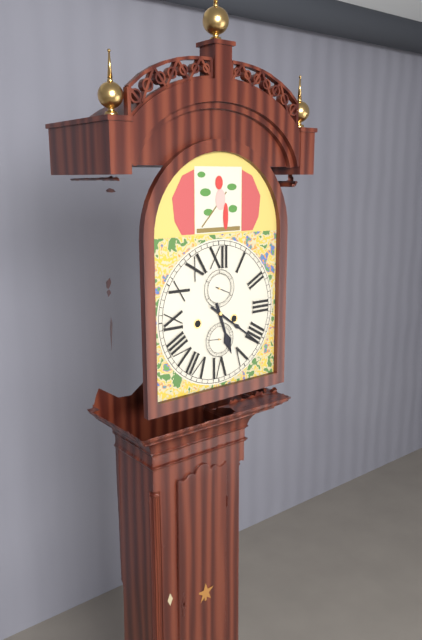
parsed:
5:21
